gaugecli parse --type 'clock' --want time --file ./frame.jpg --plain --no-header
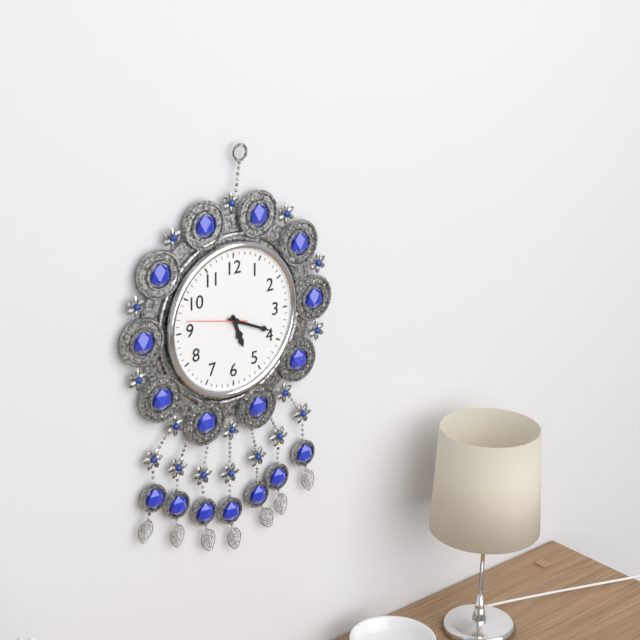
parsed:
5:19:47
